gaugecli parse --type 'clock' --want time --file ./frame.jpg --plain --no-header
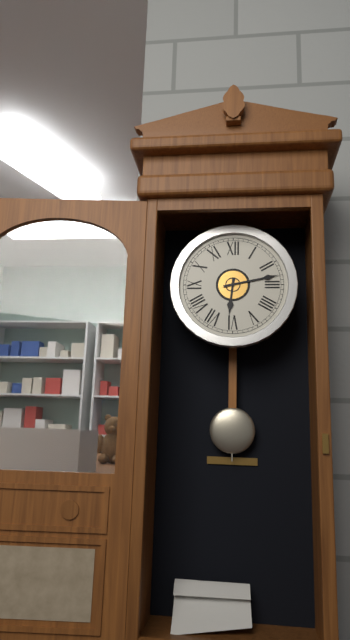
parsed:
6:13
